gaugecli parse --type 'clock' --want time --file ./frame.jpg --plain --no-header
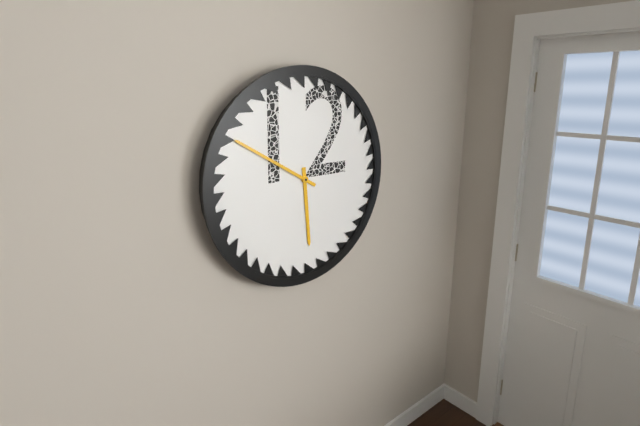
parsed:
5:50
